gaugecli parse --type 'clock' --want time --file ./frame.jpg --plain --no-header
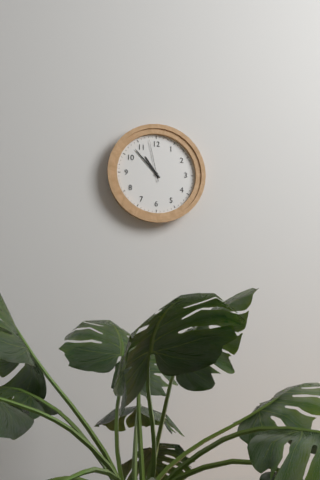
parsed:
10:53
